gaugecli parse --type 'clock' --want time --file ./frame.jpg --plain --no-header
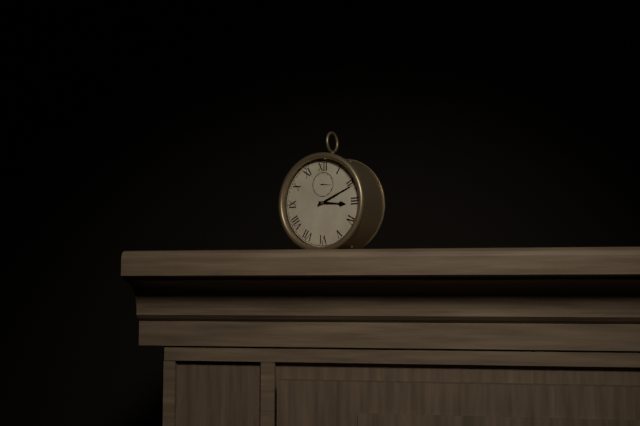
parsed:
3:11
